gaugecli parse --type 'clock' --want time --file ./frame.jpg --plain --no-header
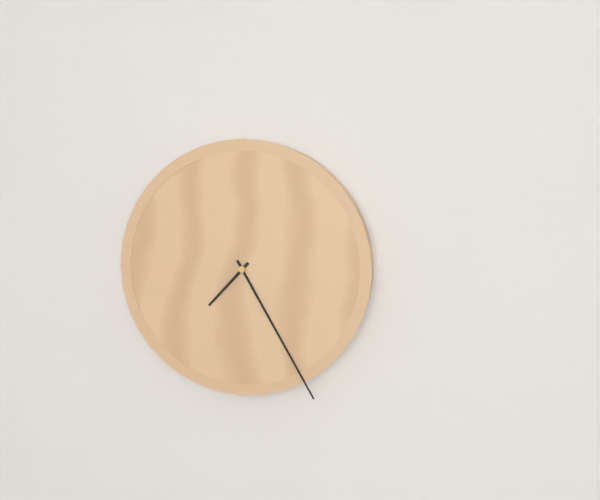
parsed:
7:25
